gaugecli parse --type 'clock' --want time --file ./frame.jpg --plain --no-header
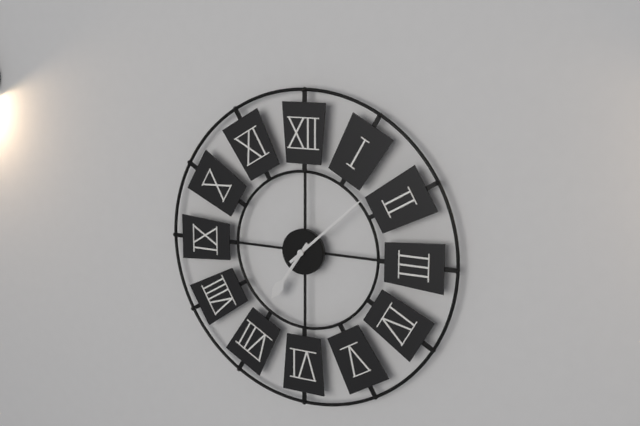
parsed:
7:08
